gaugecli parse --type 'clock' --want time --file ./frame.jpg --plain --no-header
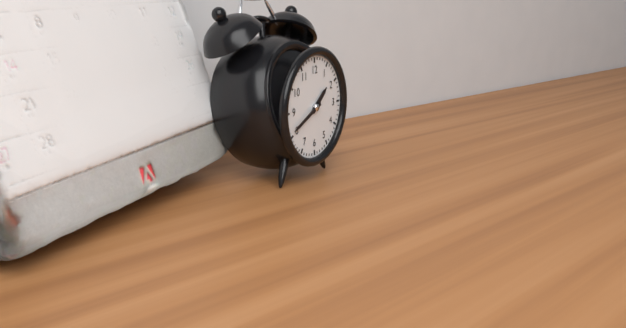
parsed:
1:41
